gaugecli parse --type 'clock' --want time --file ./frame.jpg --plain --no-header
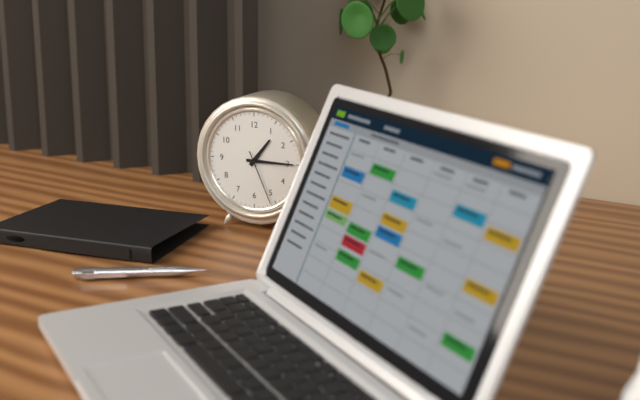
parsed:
1:15:26
